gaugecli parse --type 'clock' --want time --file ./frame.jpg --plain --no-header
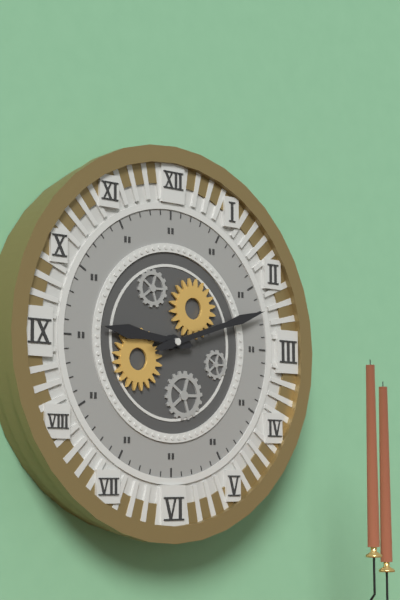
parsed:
9:12
